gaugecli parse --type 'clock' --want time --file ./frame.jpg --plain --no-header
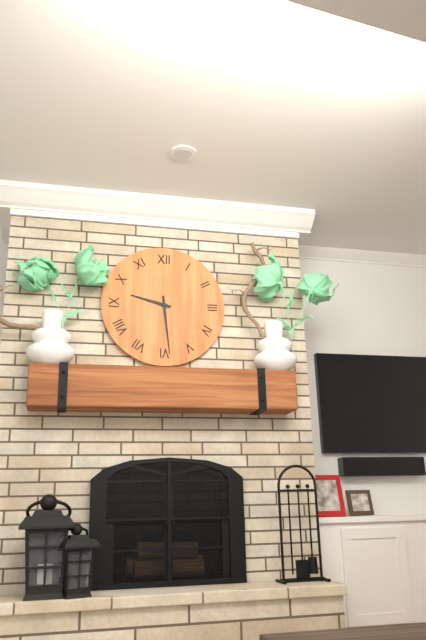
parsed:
9:29
